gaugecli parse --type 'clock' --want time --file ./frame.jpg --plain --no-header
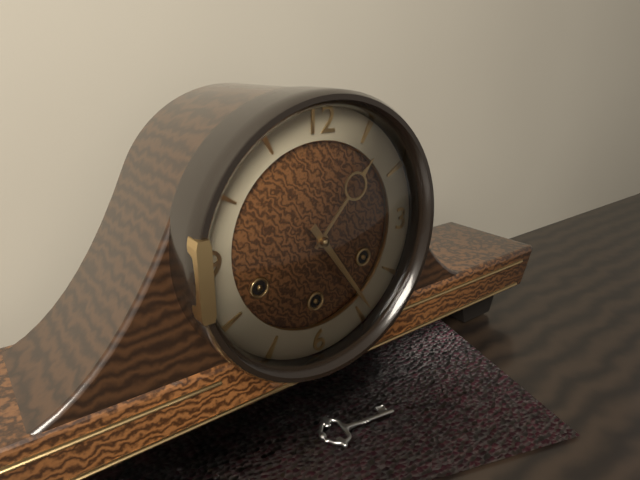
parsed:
1:24
